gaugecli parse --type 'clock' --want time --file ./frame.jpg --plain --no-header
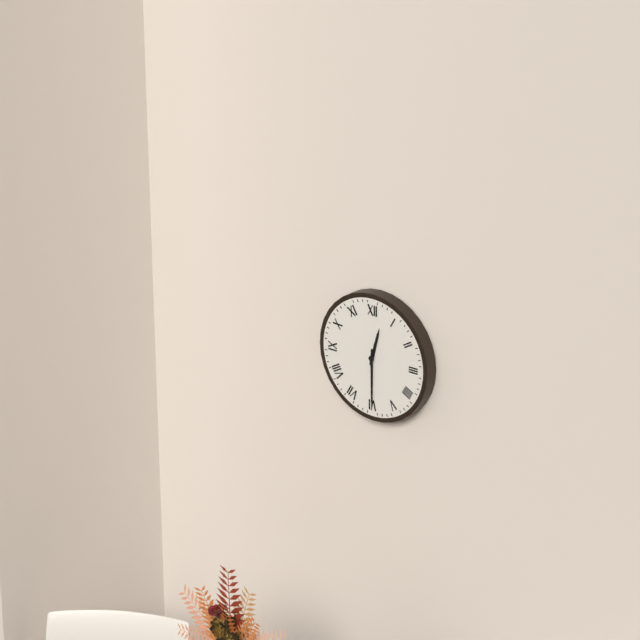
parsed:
12:30
